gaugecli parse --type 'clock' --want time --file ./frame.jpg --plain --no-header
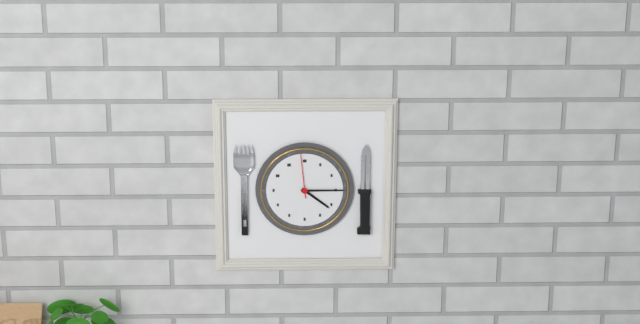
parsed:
4:15
